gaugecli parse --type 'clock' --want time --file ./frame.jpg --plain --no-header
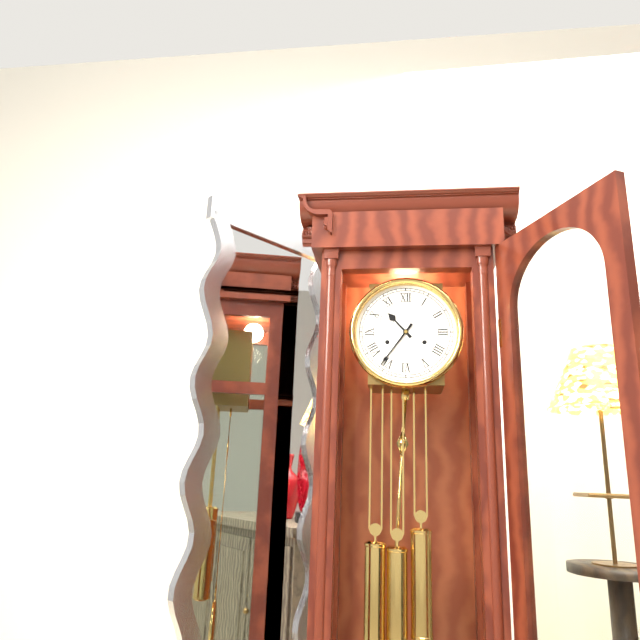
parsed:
10:36
